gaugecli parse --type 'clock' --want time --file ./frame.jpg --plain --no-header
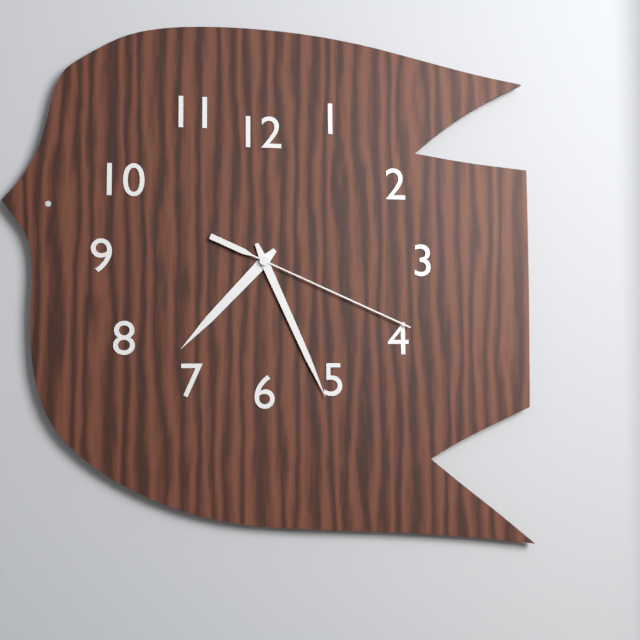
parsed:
7:26:19
